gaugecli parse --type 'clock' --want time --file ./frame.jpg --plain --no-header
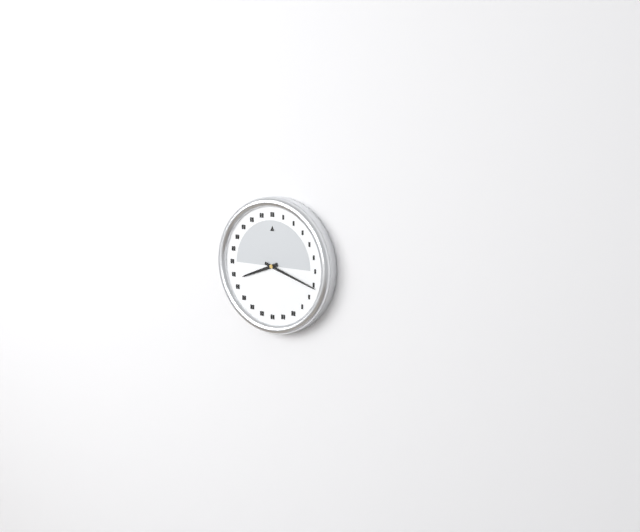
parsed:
8:18
